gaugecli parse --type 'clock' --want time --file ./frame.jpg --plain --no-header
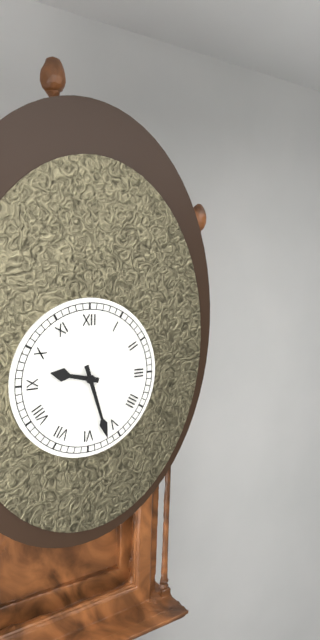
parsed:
9:27
